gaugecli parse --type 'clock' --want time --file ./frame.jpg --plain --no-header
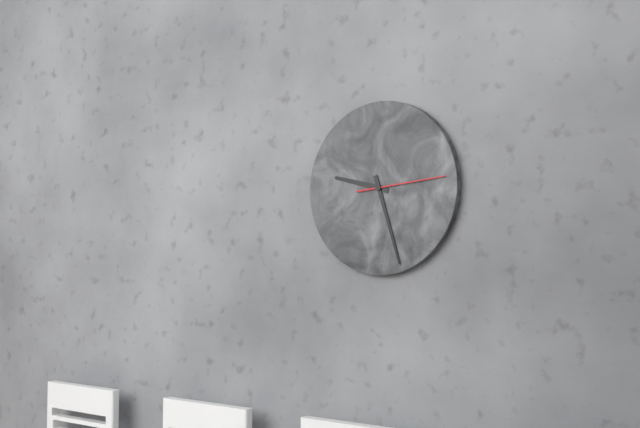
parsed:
9:27:14
